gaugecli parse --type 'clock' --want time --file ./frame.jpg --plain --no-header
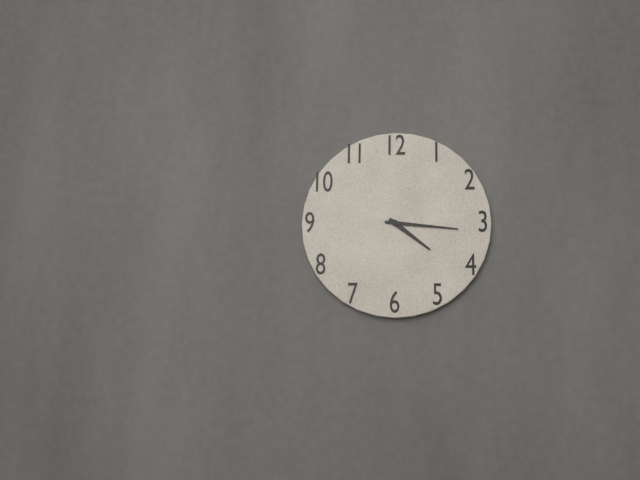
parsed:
4:16
